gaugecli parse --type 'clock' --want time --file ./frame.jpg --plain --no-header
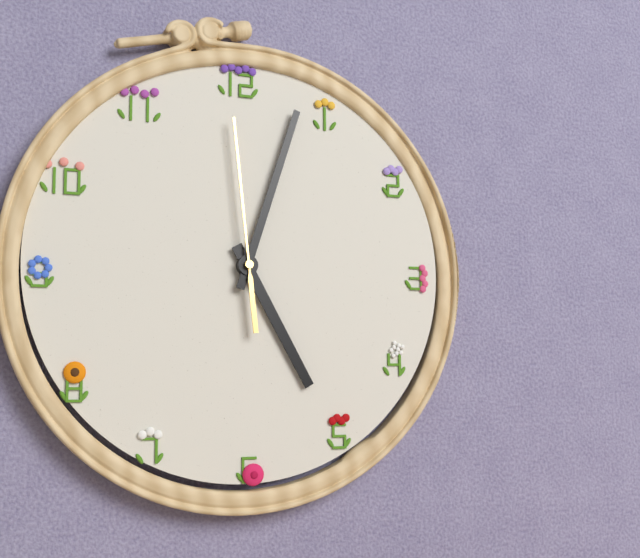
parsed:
5:03:59
